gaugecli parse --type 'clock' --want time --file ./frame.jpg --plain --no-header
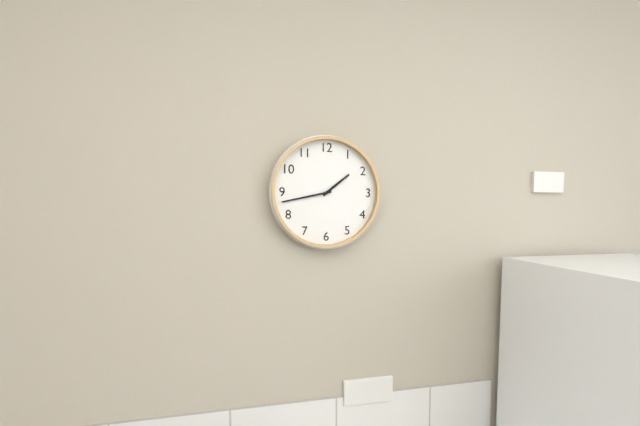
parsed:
1:43
